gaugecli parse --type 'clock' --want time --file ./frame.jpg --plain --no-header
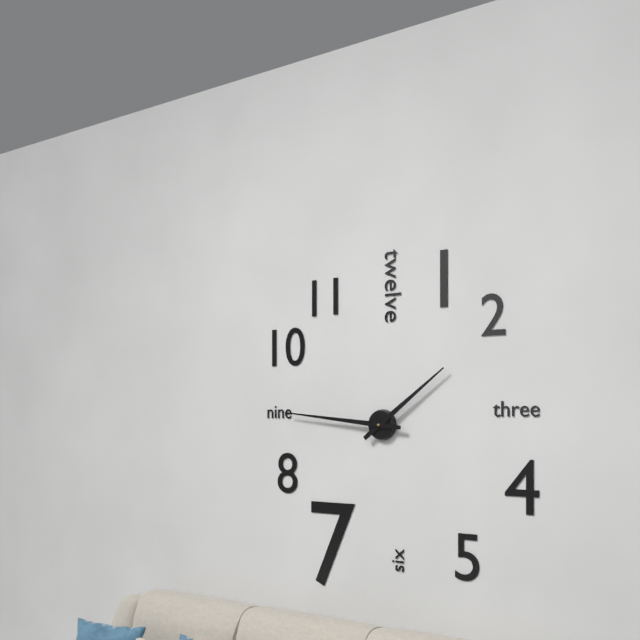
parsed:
1:46
